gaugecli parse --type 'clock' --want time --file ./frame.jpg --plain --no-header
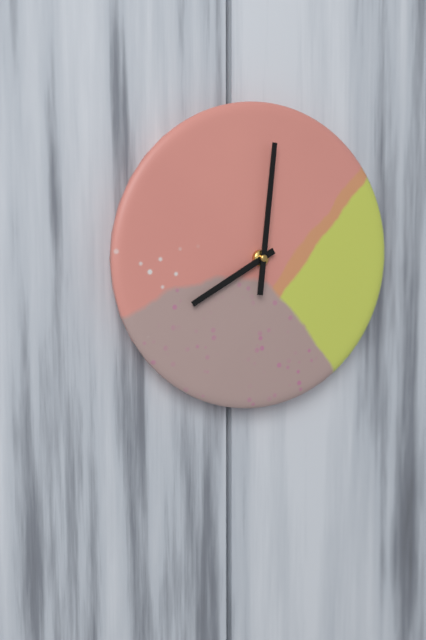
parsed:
8:01
